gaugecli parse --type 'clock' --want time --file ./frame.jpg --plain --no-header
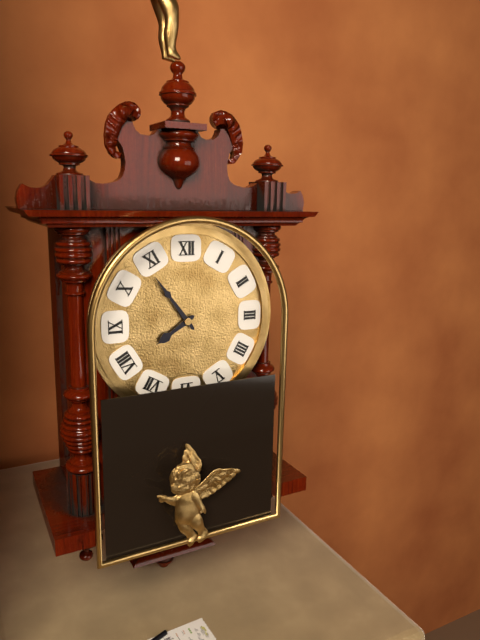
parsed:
7:54
